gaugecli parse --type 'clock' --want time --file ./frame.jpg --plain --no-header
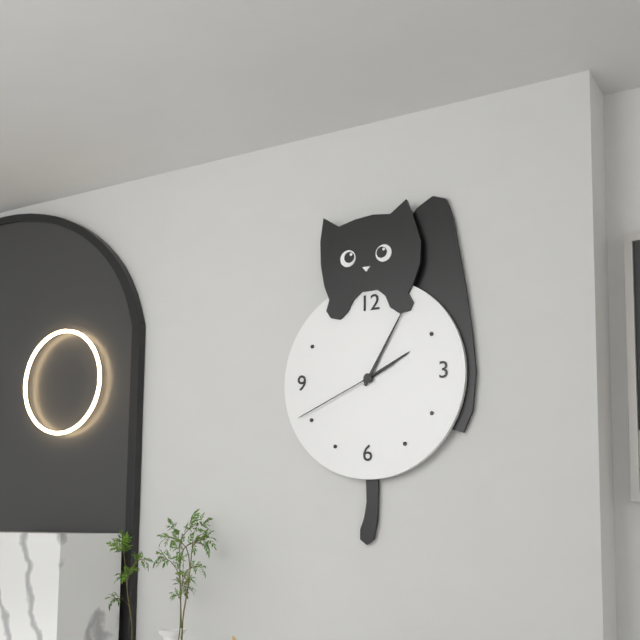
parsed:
2:05:41
